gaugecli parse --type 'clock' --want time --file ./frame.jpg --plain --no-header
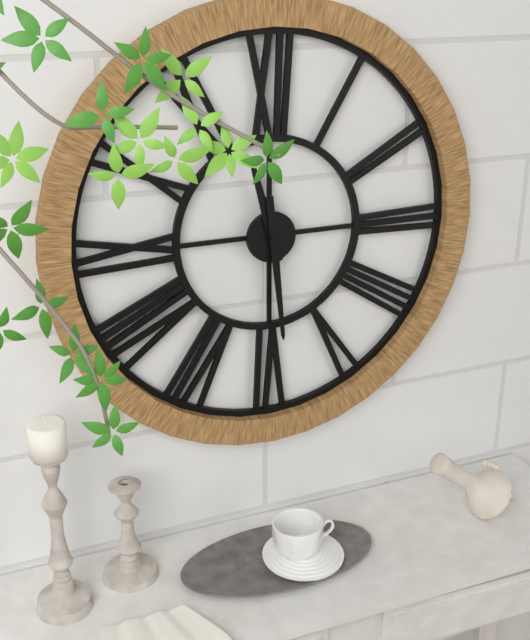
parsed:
11:29
